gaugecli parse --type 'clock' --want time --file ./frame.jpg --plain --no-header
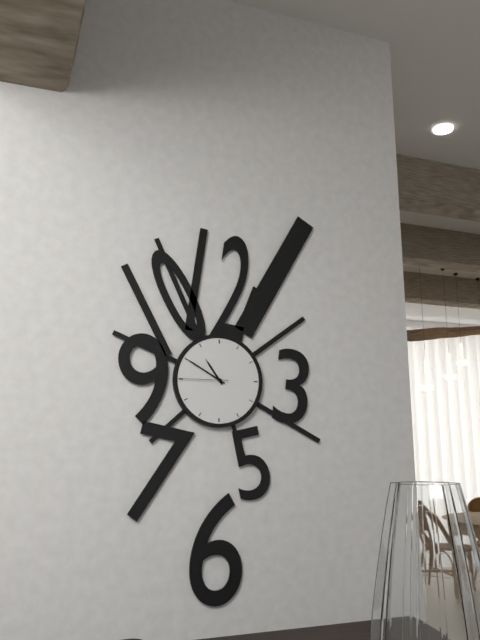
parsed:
10:50:45
